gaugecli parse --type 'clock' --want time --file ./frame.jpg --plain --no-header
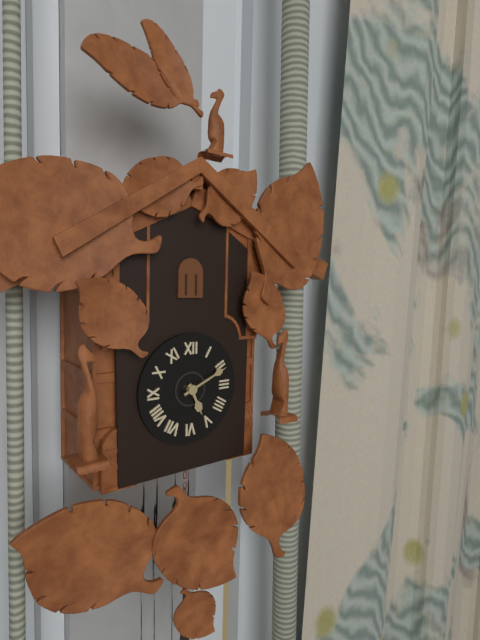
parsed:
5:11
